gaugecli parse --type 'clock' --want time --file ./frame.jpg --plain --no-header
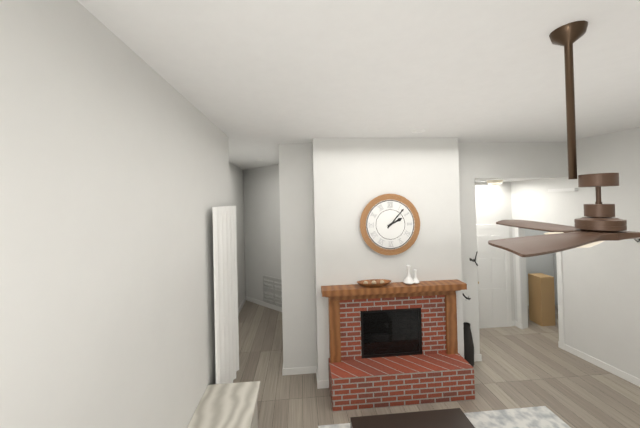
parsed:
2:07
